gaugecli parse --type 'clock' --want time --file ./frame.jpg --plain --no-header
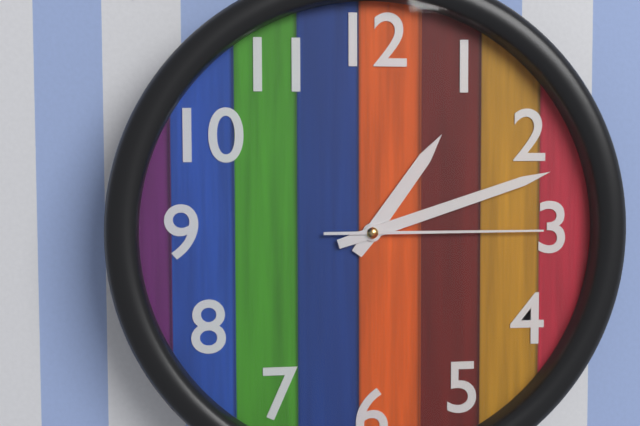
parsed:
1:12:15
